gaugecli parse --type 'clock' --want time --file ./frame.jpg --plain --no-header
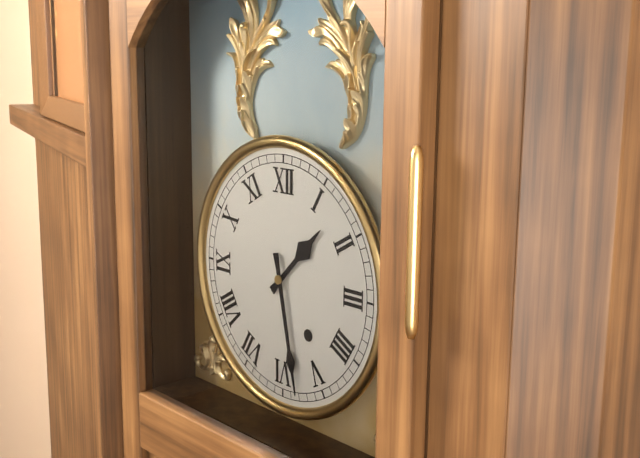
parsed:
1:28
